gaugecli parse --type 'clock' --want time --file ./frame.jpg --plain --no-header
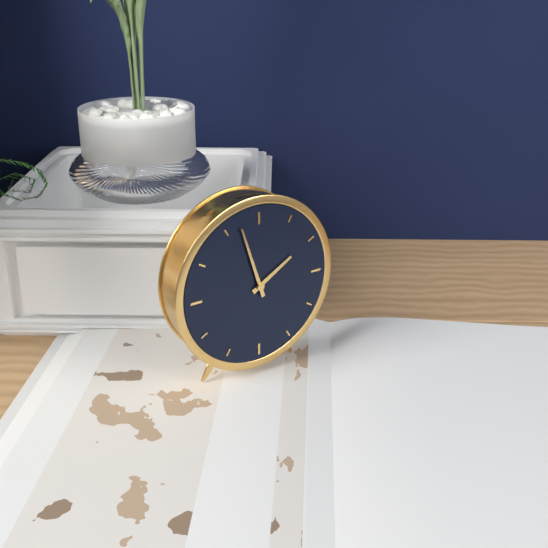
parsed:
1:57
